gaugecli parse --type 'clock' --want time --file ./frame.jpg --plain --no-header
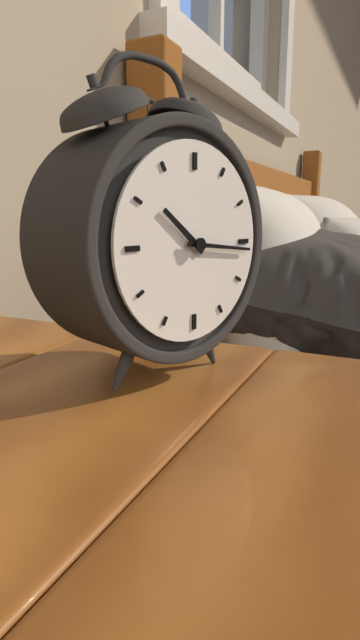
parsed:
10:16
